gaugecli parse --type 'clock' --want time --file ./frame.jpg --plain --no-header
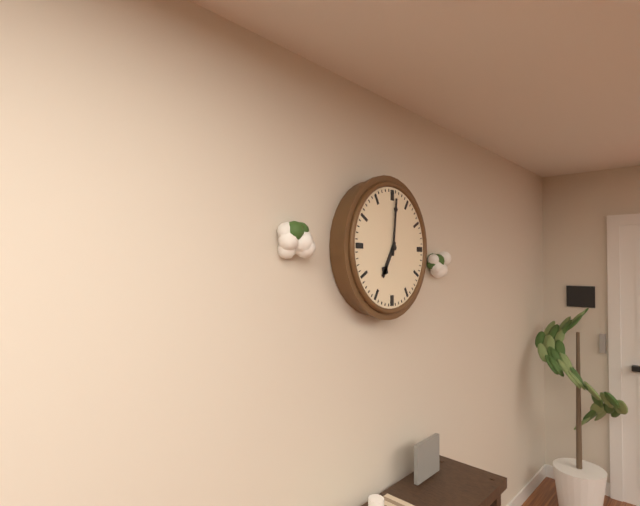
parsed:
7:01
